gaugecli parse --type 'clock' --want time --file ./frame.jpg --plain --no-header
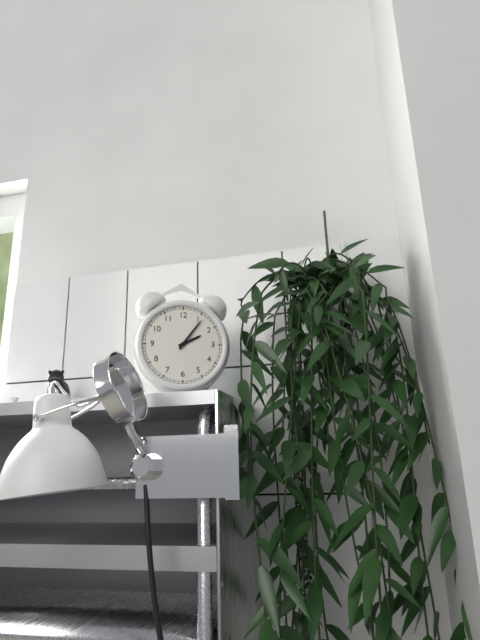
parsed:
2:06
